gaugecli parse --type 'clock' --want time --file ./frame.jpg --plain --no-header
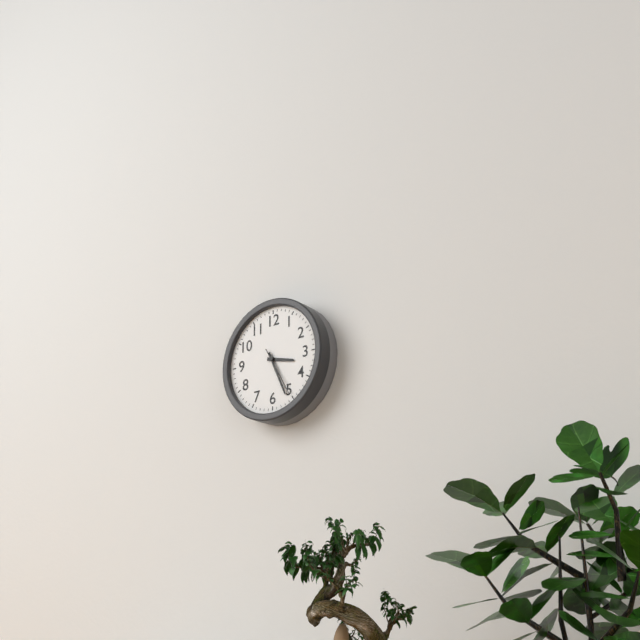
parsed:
3:26
